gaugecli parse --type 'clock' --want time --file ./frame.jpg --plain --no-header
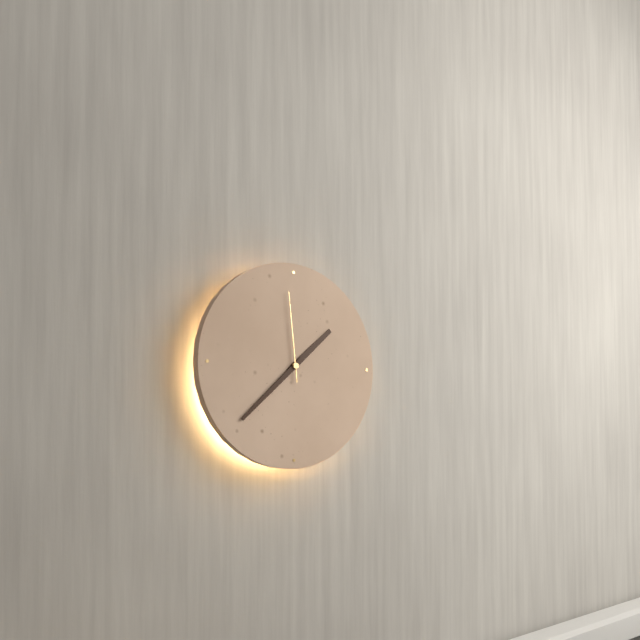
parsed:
1:38:59
